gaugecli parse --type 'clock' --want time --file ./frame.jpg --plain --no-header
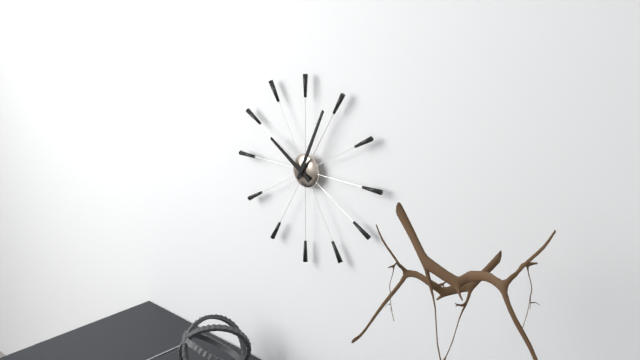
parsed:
10:04
